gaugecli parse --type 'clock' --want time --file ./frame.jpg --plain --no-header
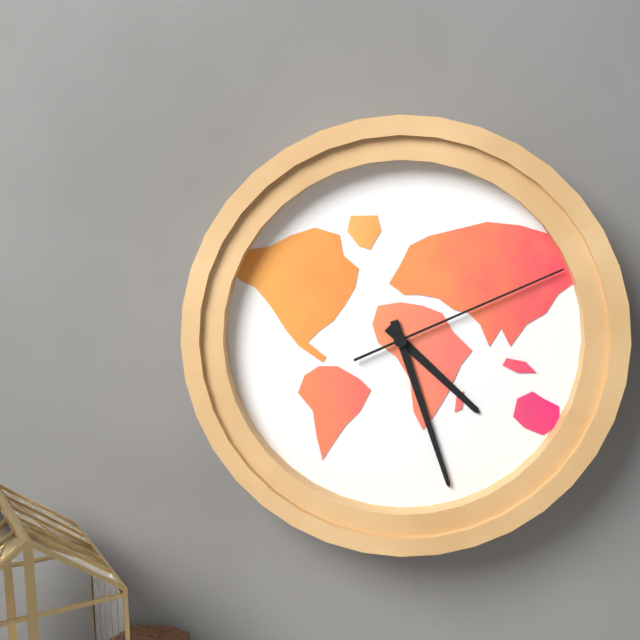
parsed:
4:27:11
